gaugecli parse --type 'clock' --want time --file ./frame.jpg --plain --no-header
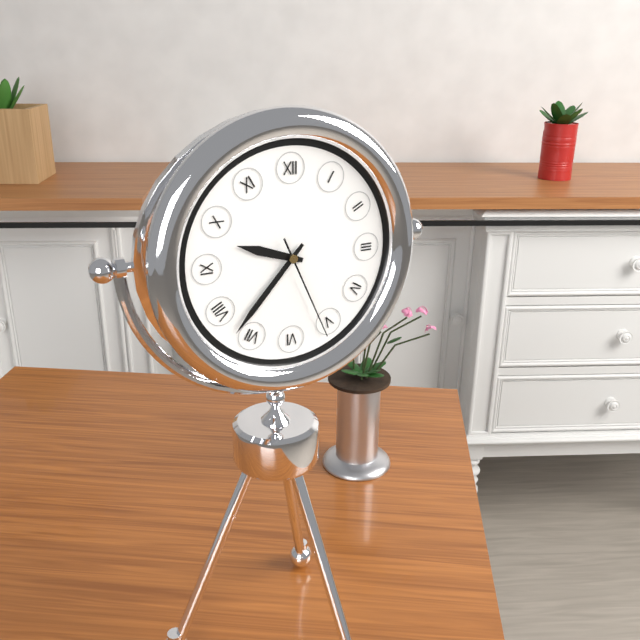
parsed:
9:37:26
